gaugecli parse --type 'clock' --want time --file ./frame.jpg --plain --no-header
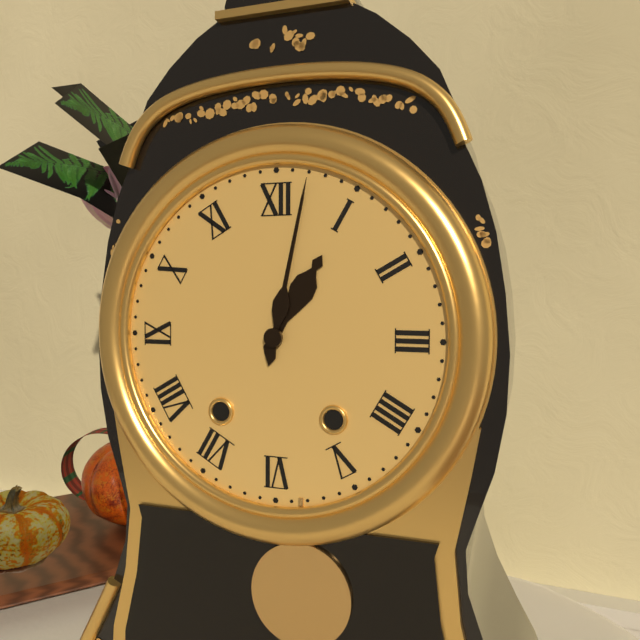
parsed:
1:02
